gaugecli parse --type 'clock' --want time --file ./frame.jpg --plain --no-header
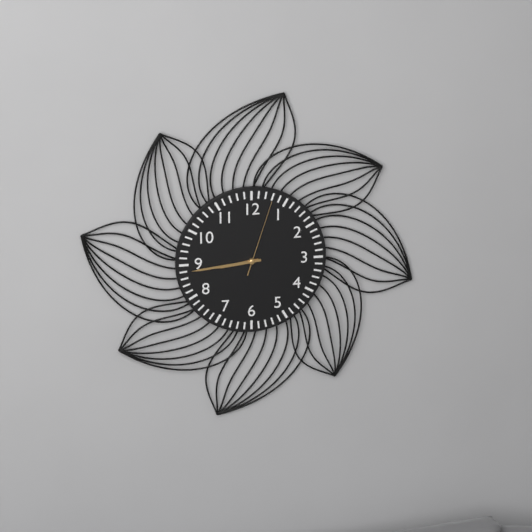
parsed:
8:44:03
